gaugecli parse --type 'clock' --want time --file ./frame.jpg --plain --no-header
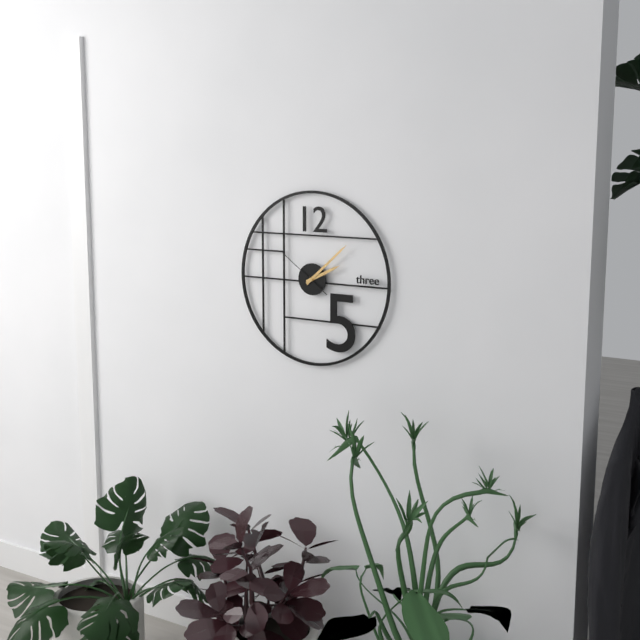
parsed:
2:08:51
